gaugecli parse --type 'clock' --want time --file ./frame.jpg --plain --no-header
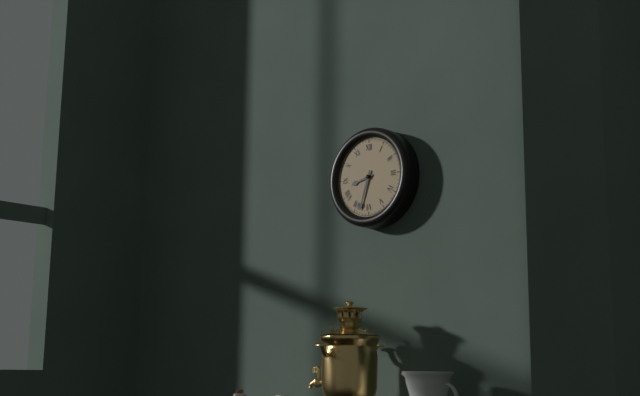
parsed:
8:33
